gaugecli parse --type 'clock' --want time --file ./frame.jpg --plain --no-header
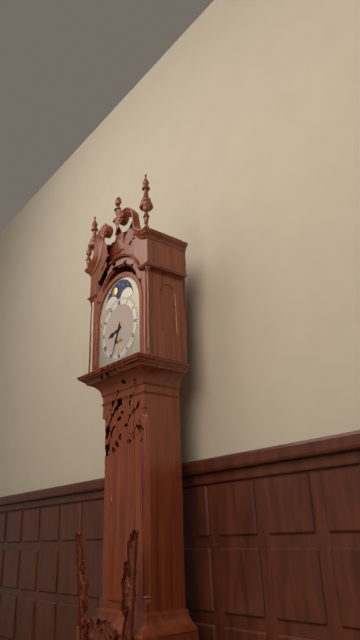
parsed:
8:34
